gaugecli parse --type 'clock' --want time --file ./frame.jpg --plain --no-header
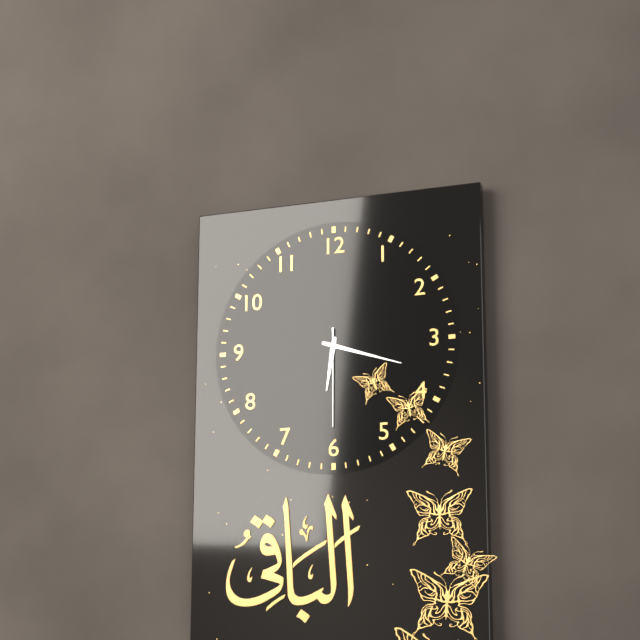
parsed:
6:18:30
